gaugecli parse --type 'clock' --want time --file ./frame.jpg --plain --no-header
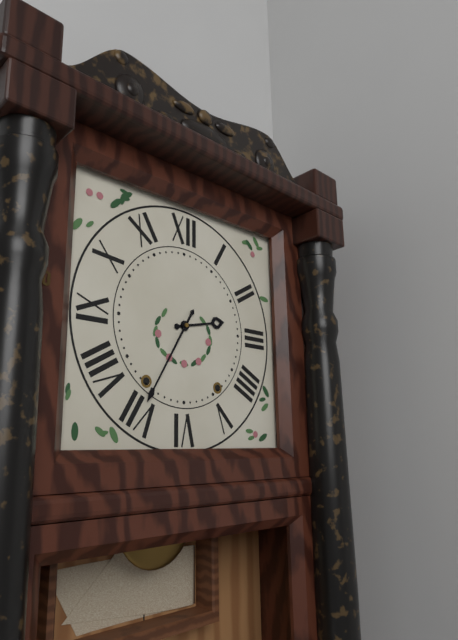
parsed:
2:35
